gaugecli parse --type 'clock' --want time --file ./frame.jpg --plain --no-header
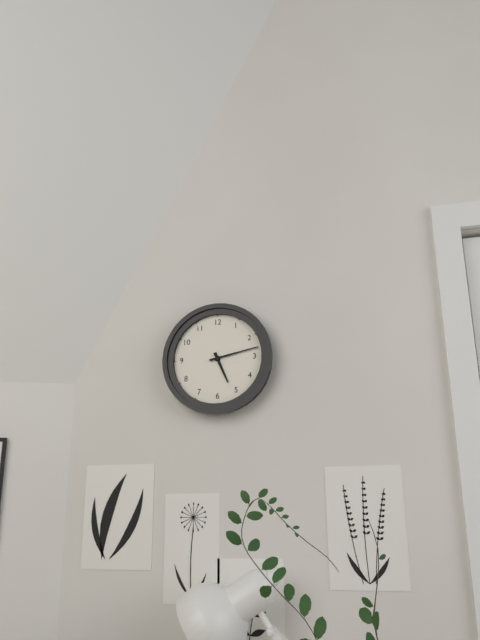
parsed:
5:13
